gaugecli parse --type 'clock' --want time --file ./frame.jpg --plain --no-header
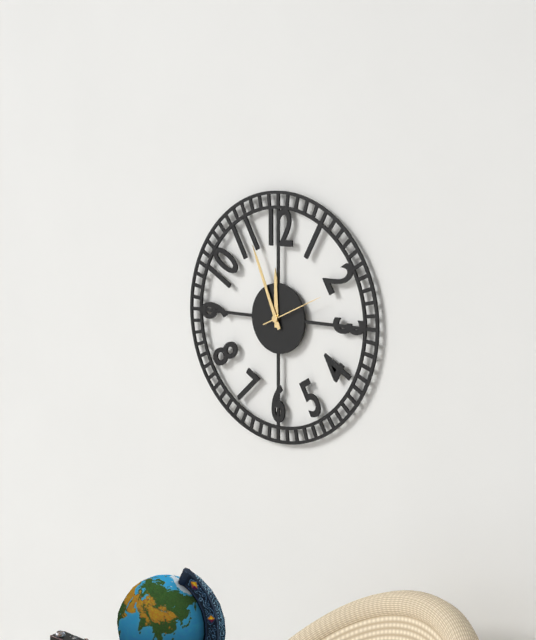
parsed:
11:56:11
